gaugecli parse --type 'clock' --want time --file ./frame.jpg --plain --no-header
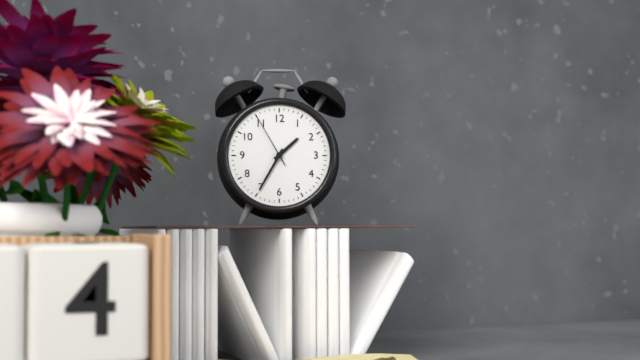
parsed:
1:35:55
